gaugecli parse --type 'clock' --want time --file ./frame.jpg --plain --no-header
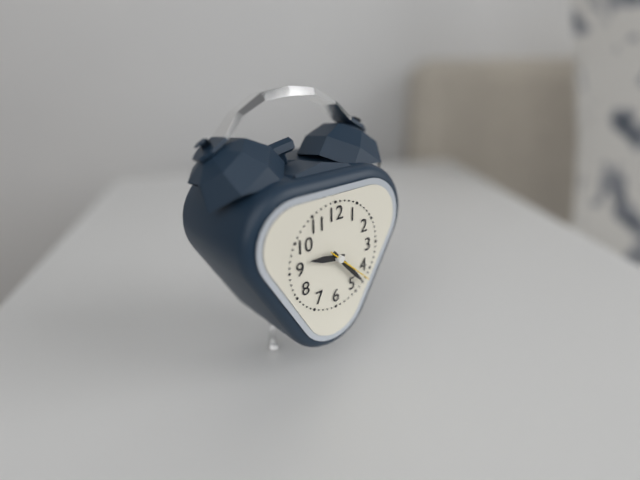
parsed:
9:23
